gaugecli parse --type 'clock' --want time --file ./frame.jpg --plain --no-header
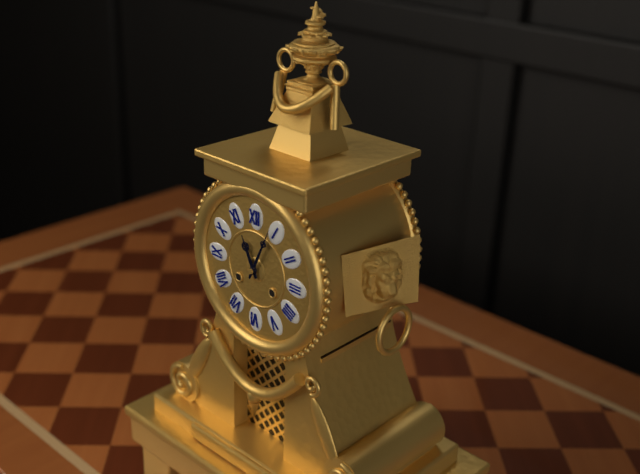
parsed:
11:04
